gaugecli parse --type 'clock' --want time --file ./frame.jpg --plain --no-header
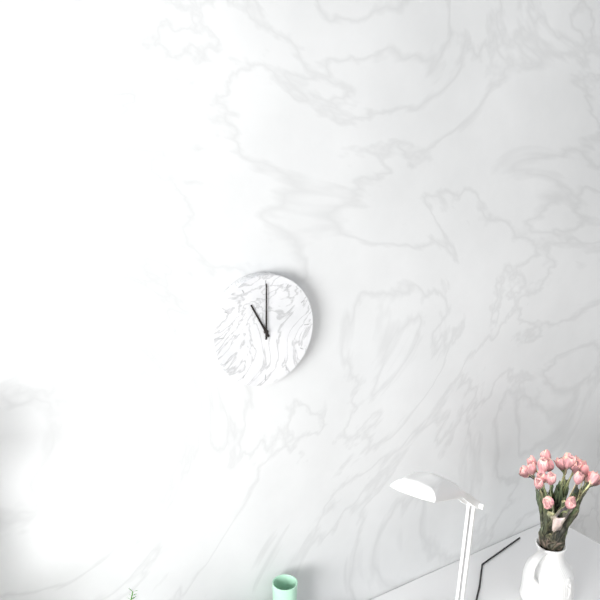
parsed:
11:00
